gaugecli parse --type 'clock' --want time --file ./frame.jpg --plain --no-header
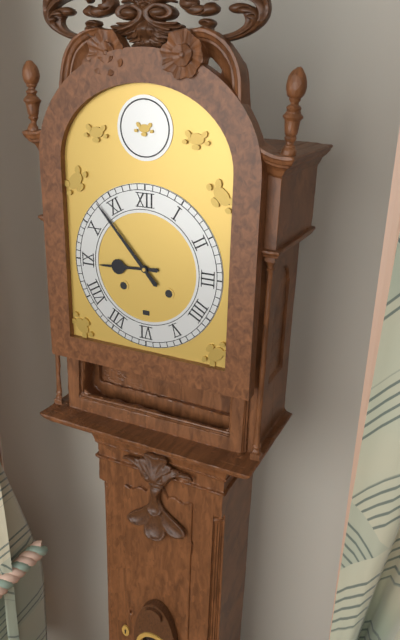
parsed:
8:53
